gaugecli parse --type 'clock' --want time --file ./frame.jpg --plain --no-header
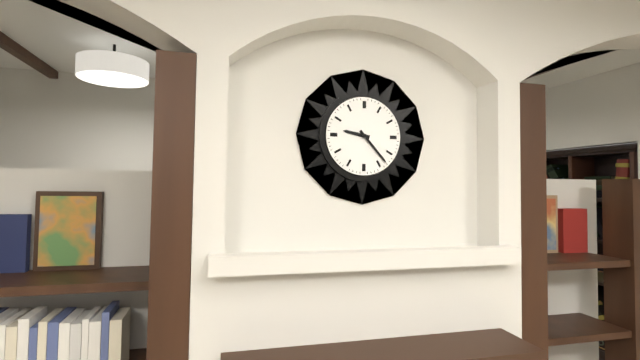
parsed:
9:23
